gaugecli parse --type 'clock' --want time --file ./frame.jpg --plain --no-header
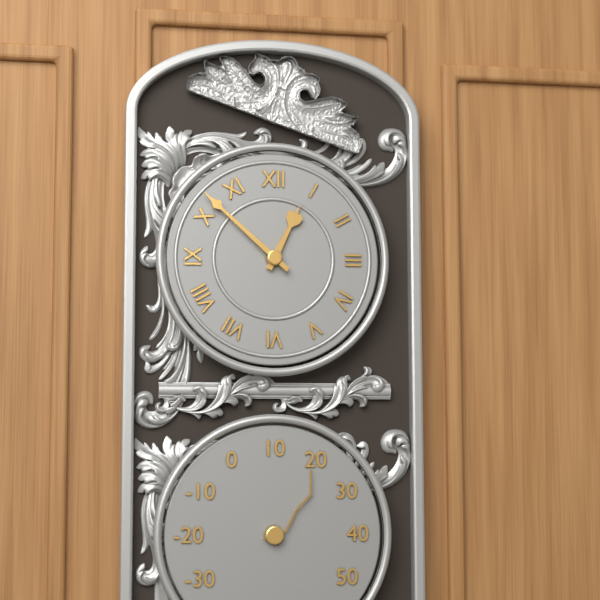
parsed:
12:52
